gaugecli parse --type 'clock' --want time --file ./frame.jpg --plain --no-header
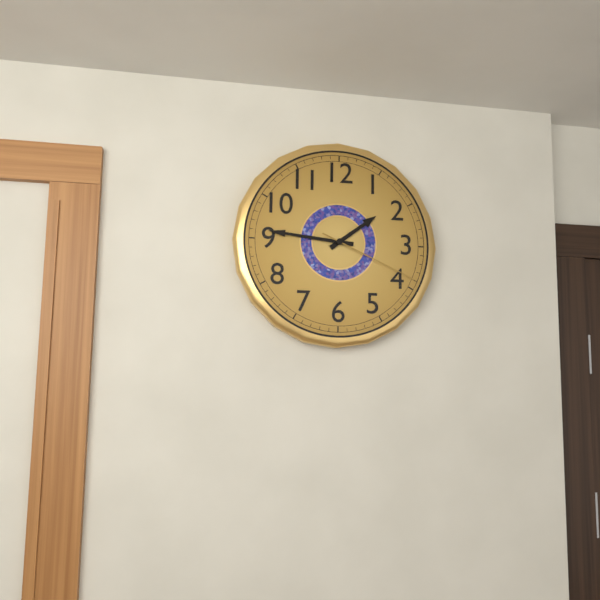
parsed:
1:46:19
